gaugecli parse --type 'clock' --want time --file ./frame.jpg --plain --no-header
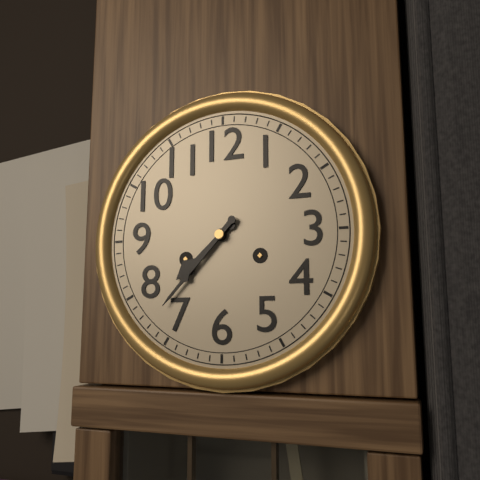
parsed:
7:37
